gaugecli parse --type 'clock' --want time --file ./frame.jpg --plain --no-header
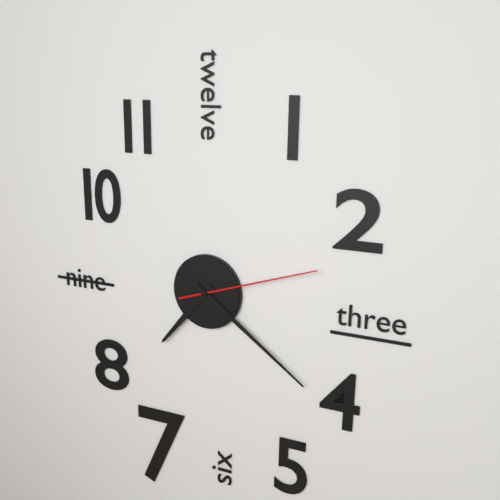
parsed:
7:21:12
